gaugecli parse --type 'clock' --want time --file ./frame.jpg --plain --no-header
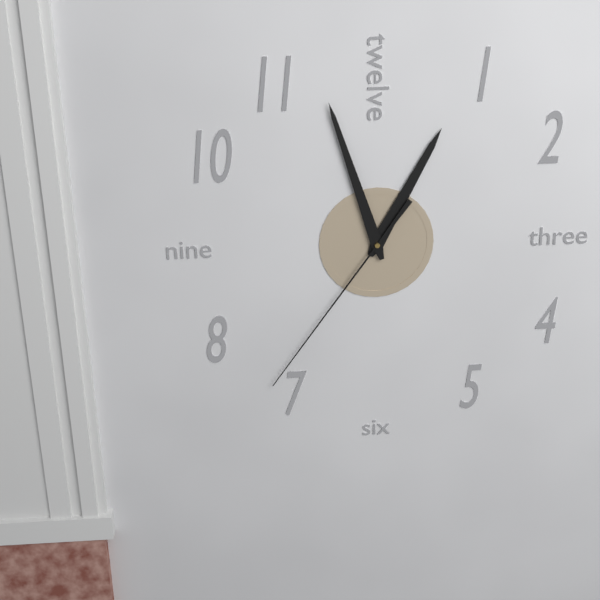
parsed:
12:57:36
